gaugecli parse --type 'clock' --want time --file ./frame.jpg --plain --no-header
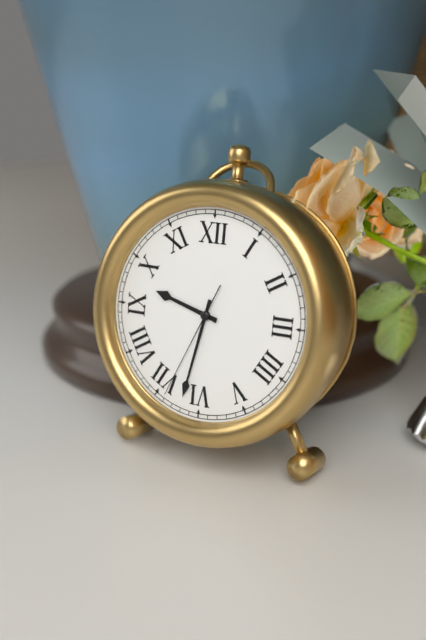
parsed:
9:32:34
